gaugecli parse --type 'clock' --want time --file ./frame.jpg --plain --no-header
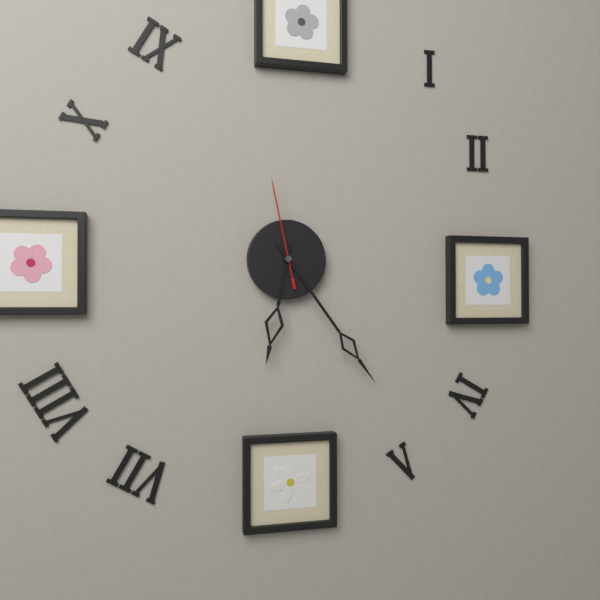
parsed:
6:24:58
